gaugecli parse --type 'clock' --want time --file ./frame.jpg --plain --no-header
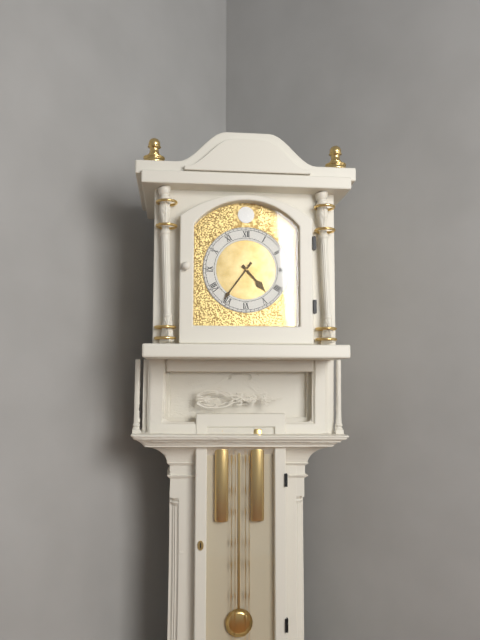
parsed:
4:36
